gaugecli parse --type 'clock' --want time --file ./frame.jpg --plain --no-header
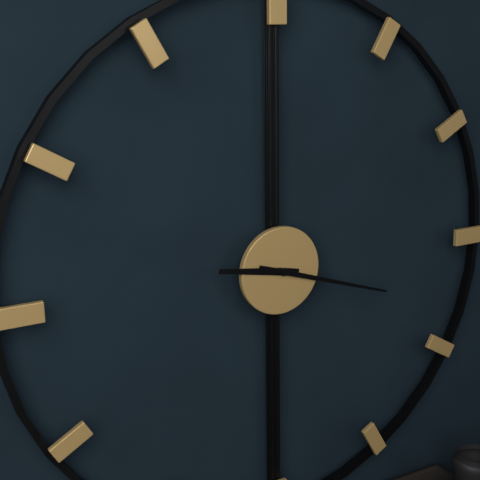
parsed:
9:18
